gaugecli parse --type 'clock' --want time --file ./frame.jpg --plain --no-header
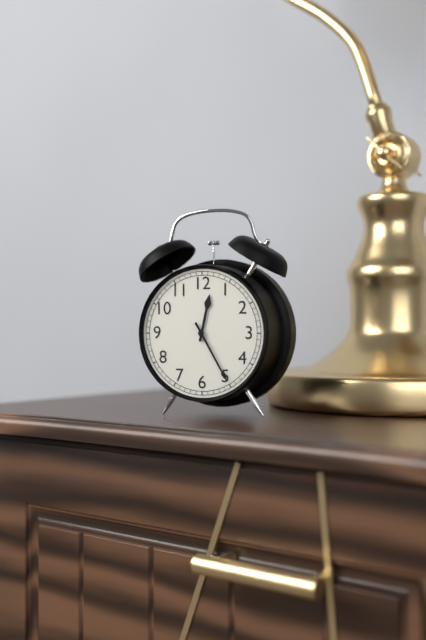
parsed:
12:25
